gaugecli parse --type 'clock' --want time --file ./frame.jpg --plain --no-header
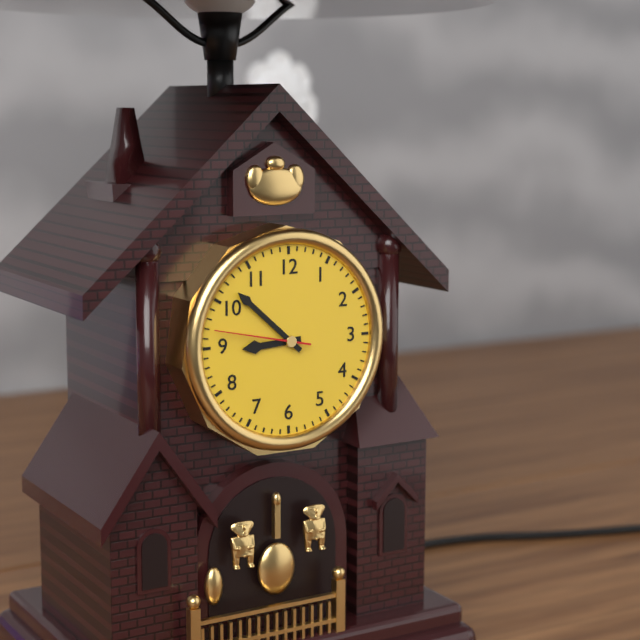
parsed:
8:52:47
